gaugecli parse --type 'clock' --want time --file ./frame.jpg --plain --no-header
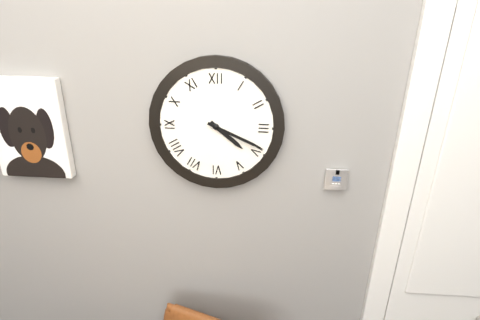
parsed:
4:19
